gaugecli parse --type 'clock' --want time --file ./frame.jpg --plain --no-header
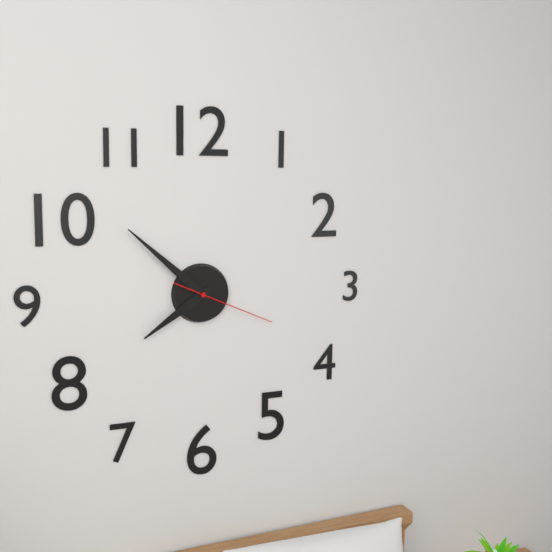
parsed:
7:52:19
